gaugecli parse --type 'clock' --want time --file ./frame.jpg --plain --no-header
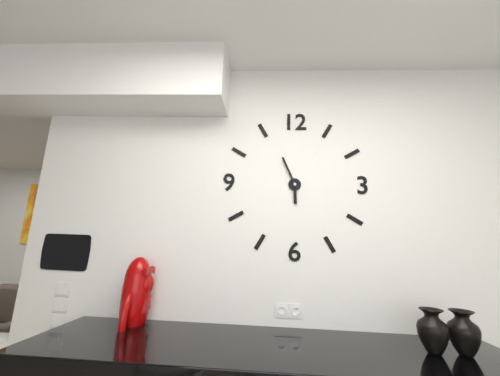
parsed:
5:56
